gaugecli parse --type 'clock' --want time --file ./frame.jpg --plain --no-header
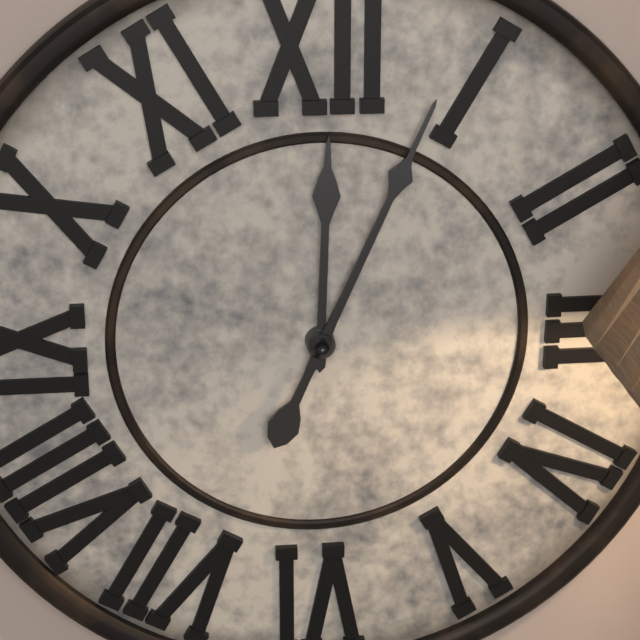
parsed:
12:04
